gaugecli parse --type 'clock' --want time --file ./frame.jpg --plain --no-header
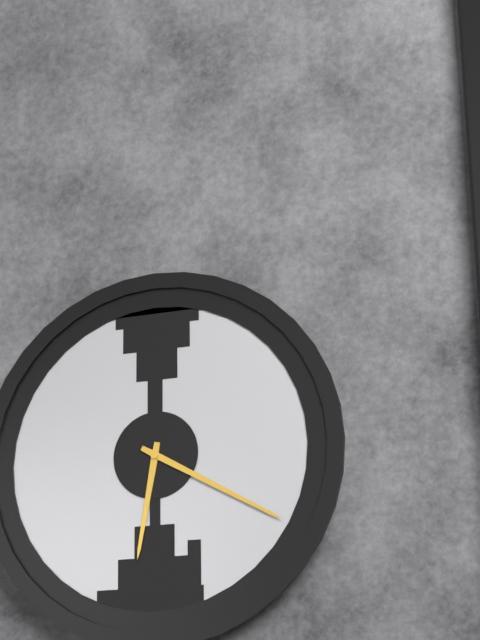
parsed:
6:20
